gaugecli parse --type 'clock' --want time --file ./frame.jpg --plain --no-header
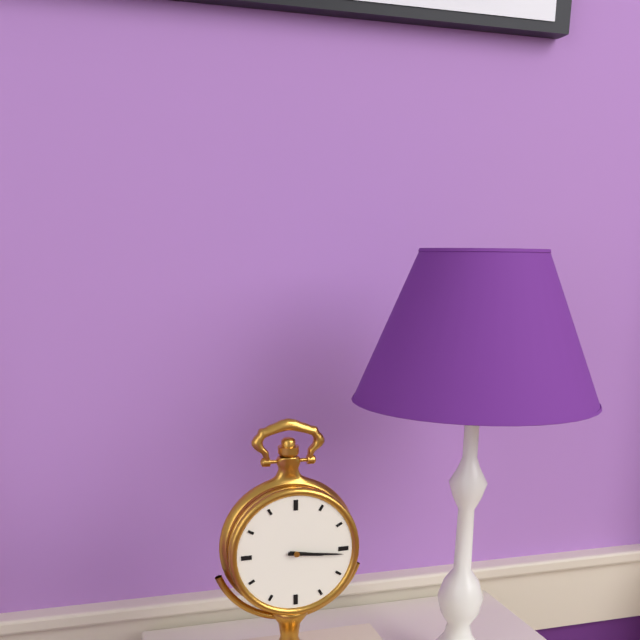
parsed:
3:16
